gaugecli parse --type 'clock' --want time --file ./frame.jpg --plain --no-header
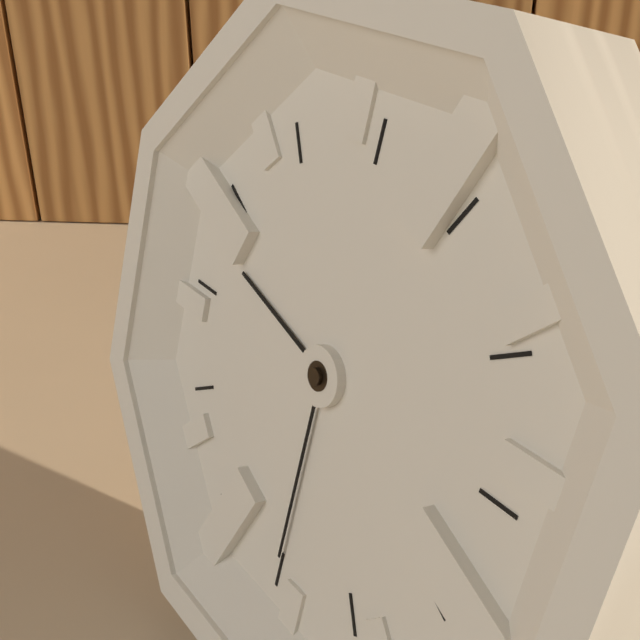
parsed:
9:30
